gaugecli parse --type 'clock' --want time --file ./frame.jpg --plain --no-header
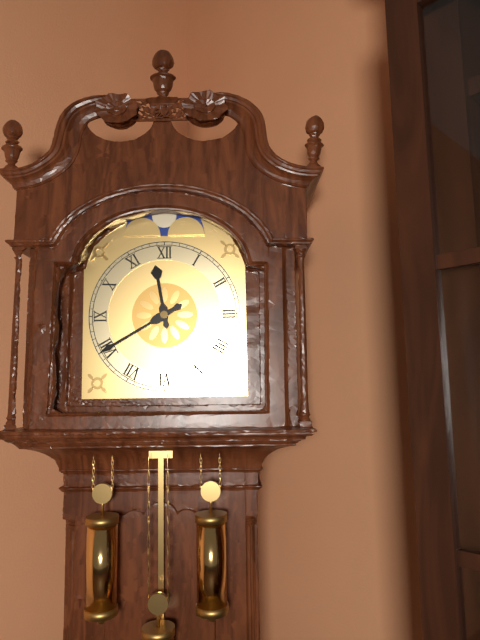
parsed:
11:40
